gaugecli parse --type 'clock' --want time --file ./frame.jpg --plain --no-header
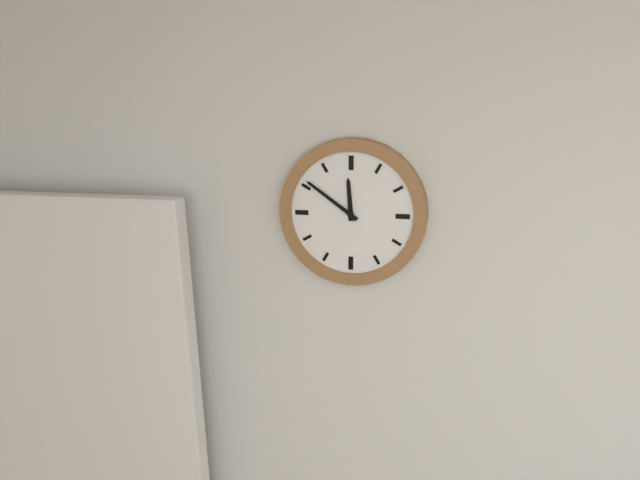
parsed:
11:51
